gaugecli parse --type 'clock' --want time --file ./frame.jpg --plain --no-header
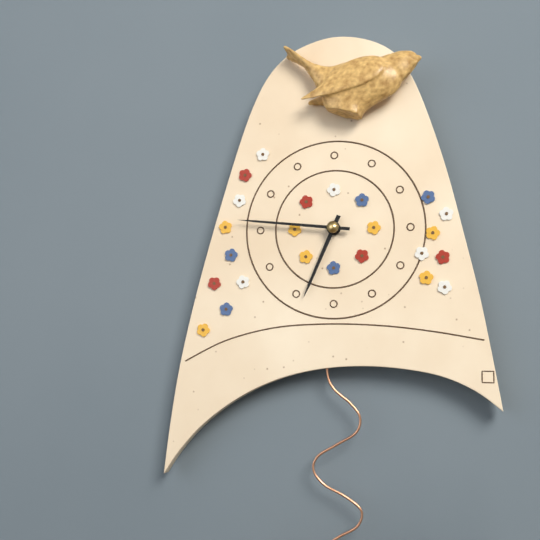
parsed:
6:46
